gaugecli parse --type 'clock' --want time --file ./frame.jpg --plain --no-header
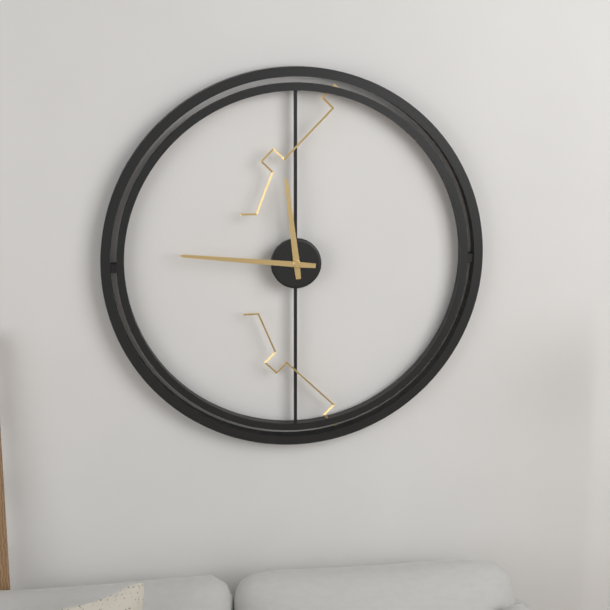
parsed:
11:46
